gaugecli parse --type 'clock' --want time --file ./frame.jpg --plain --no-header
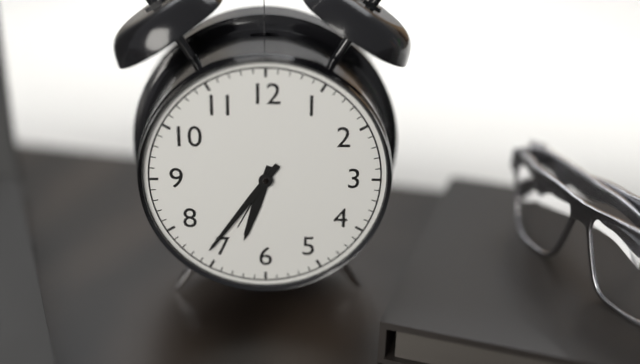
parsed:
6:36
